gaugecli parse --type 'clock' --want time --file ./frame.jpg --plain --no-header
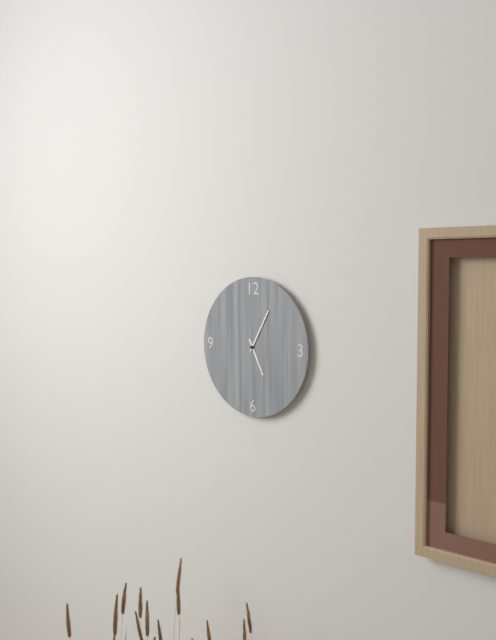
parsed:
5:05
